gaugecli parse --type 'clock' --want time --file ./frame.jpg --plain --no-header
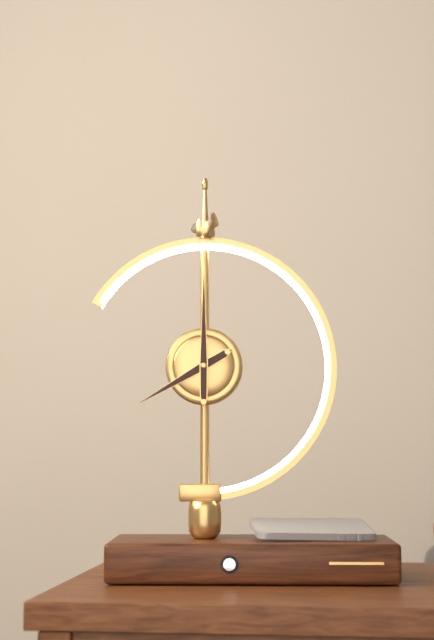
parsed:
8:00
